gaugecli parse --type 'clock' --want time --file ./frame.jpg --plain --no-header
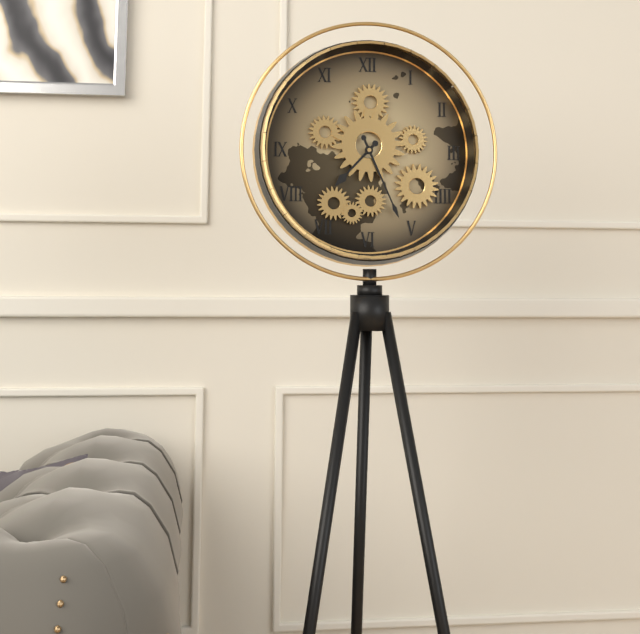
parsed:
7:26
